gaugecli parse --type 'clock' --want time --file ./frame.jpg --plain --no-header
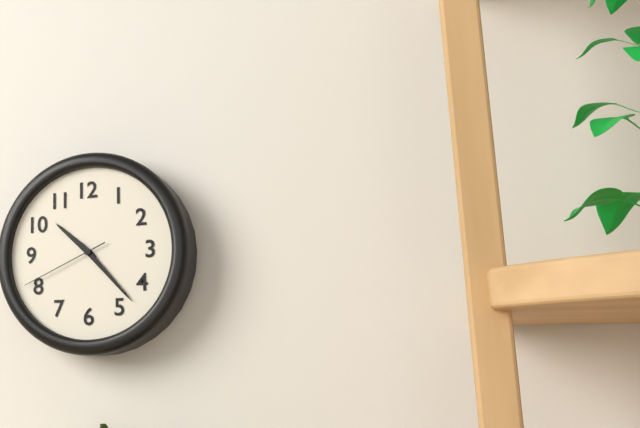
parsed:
10:23:41
